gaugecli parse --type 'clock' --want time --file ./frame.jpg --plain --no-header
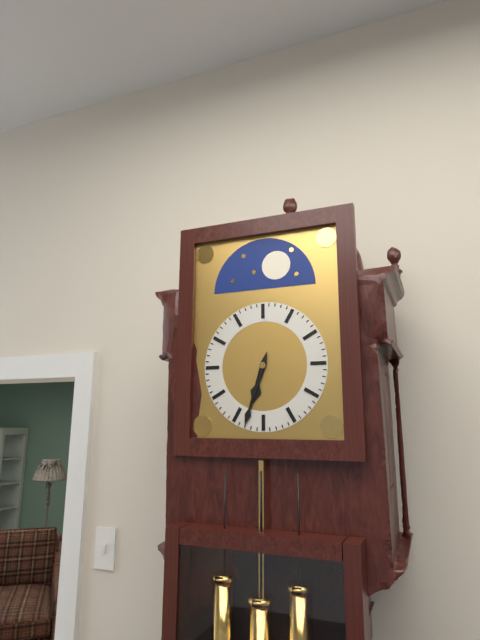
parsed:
6:33
